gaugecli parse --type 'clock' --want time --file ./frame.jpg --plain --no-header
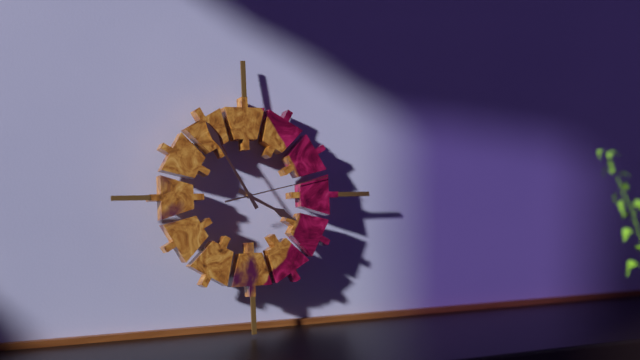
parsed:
3:55:13
